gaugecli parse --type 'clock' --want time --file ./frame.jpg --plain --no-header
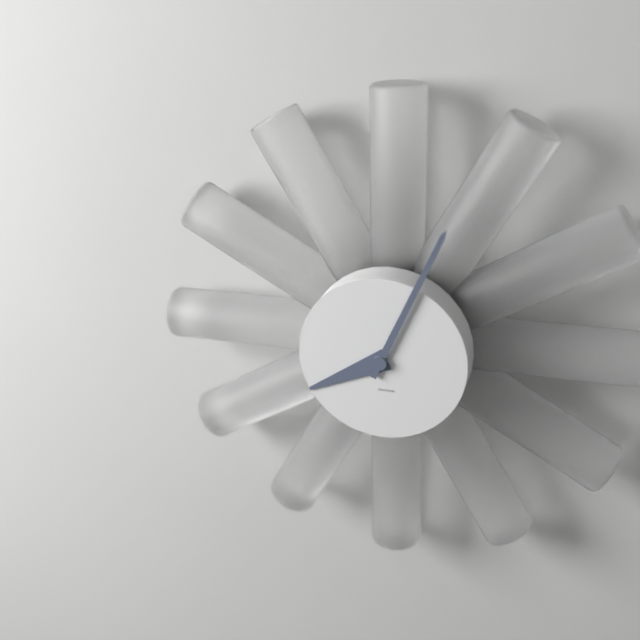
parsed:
8:04
